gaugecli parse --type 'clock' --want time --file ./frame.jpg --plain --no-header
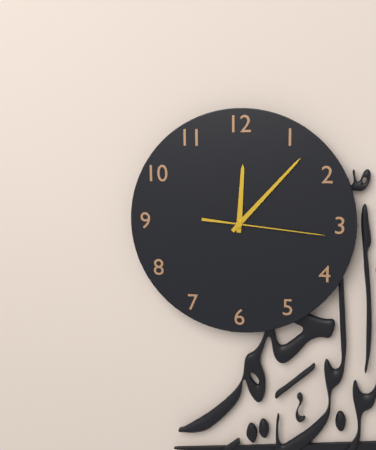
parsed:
12:07:16
